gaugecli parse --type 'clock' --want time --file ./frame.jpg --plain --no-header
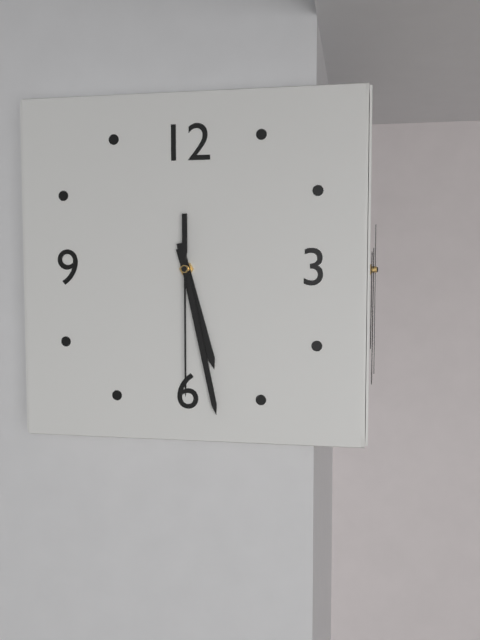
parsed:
5:28:30
